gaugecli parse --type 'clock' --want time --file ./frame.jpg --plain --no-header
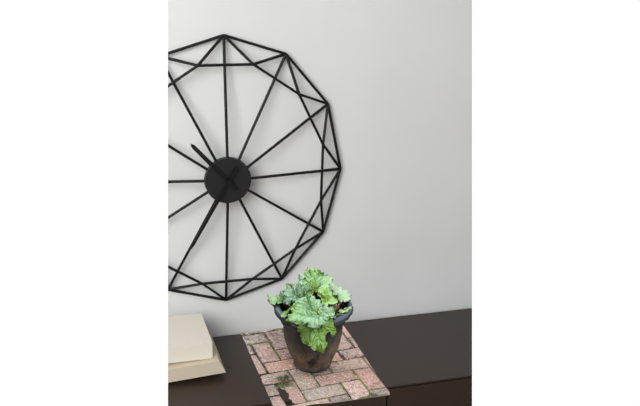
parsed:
10:35
